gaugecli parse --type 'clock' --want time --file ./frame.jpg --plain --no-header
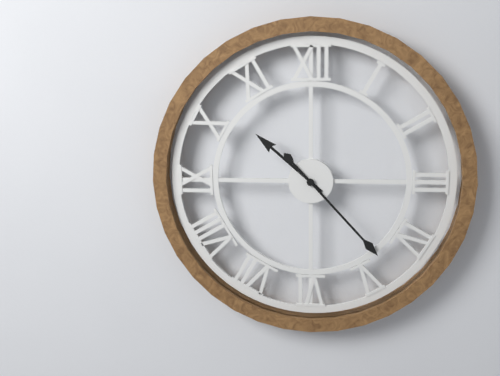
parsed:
10:23
